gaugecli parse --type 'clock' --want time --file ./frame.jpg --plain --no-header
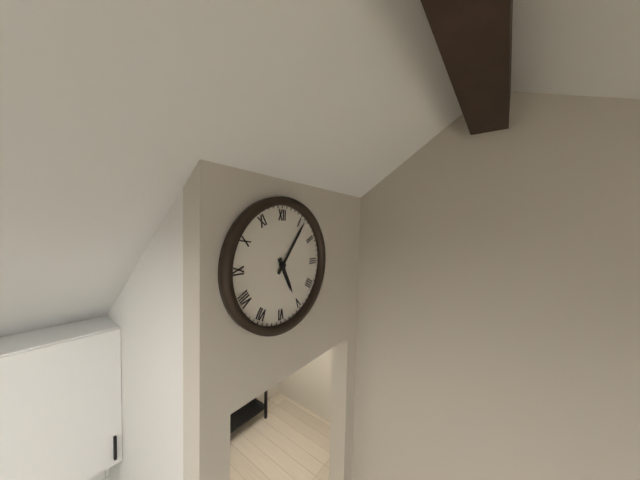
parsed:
5:06
